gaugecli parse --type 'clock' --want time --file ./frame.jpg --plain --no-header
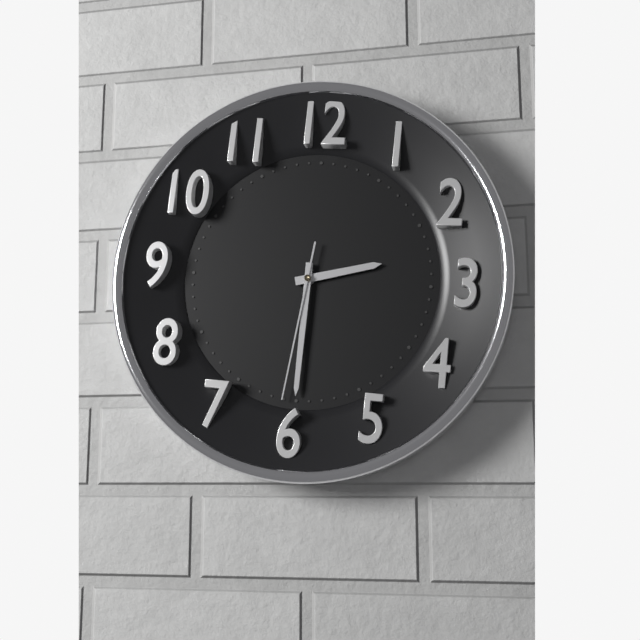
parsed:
2:30:31
